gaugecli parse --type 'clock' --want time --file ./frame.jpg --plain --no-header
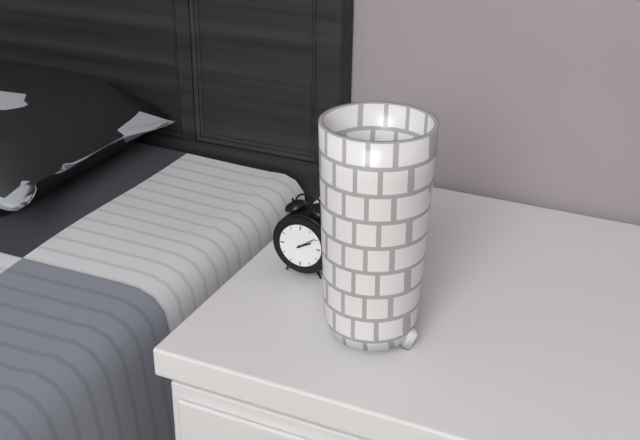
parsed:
2:09
